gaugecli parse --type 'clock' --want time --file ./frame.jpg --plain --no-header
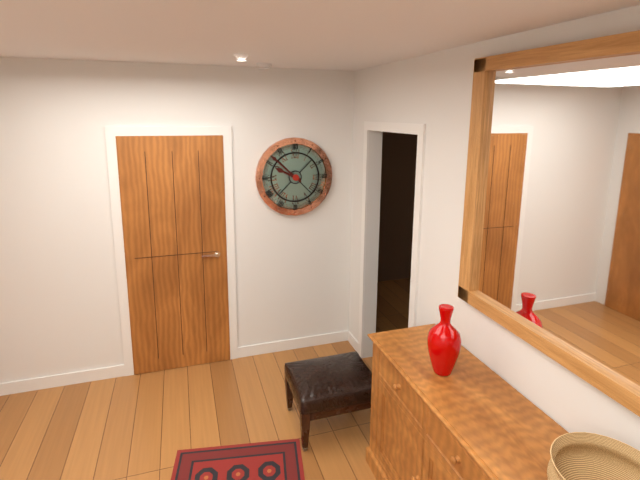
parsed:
9:52
